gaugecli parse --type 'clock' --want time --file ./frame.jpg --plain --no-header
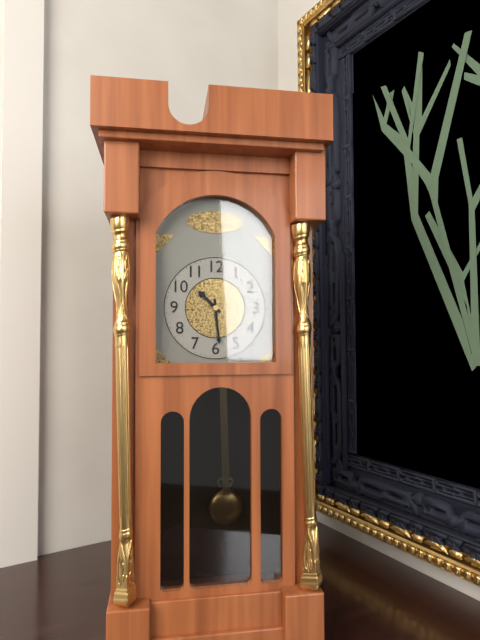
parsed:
10:29
